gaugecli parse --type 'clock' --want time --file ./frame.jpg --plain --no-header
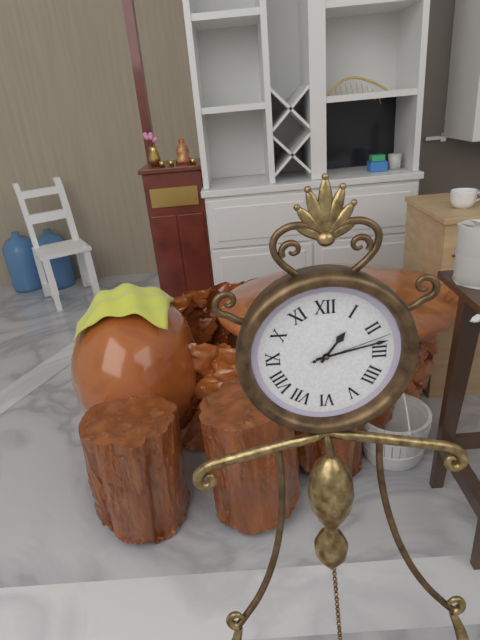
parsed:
1:13:12
